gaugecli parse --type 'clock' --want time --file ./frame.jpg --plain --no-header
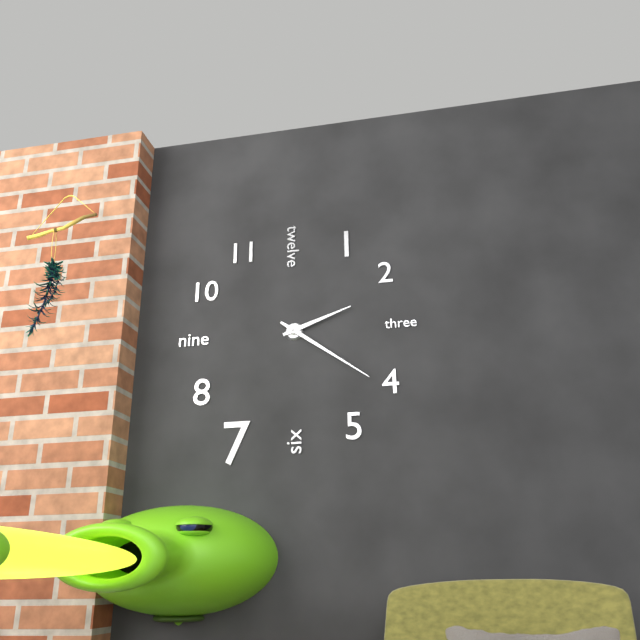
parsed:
2:21
